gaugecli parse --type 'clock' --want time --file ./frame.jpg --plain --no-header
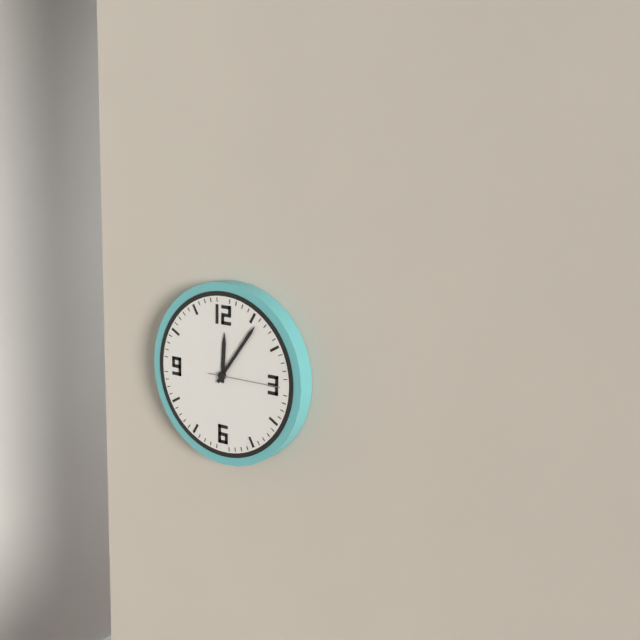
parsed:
12:06:15
